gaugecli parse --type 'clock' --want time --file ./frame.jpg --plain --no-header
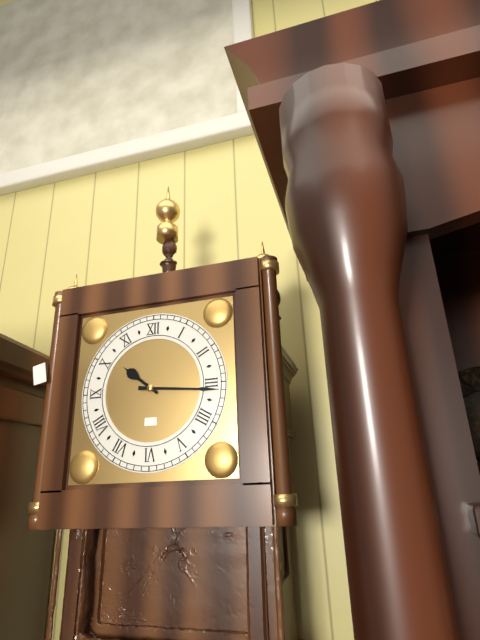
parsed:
10:16
